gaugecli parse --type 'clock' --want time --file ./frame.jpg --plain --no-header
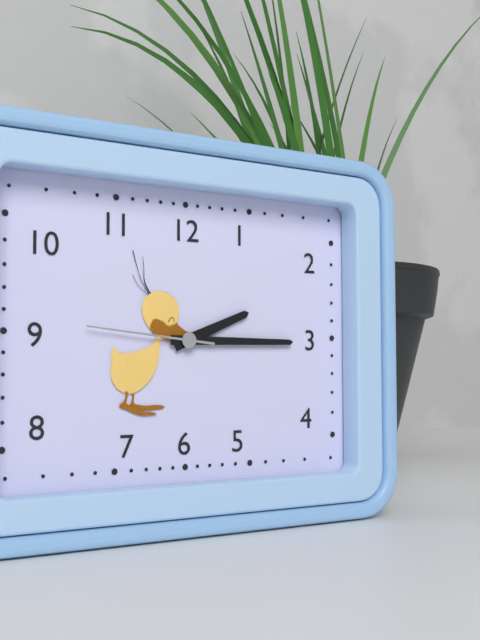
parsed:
2:15:46
